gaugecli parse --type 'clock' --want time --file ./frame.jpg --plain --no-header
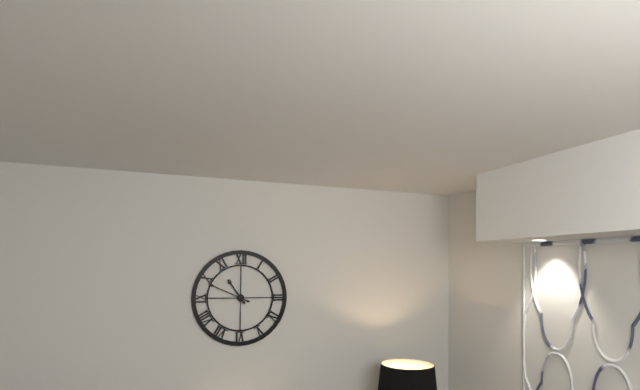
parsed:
10:49
